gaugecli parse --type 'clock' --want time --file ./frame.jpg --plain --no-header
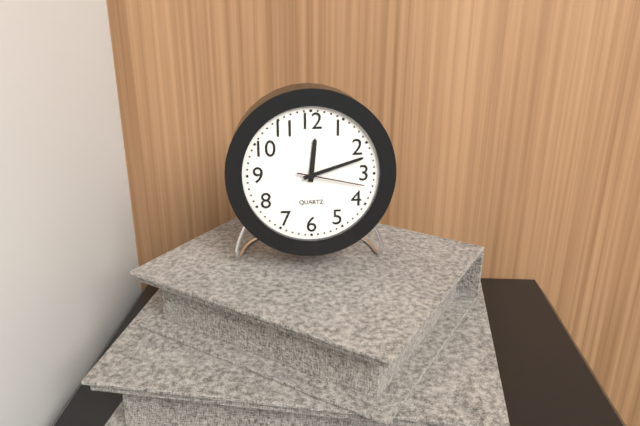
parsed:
12:12:17
